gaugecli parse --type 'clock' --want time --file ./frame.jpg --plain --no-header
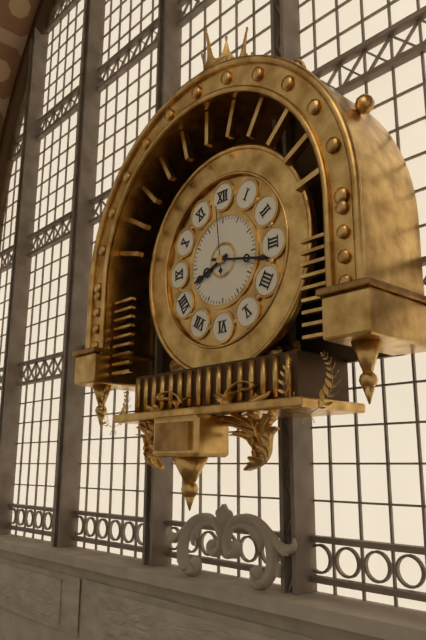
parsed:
8:17:59
